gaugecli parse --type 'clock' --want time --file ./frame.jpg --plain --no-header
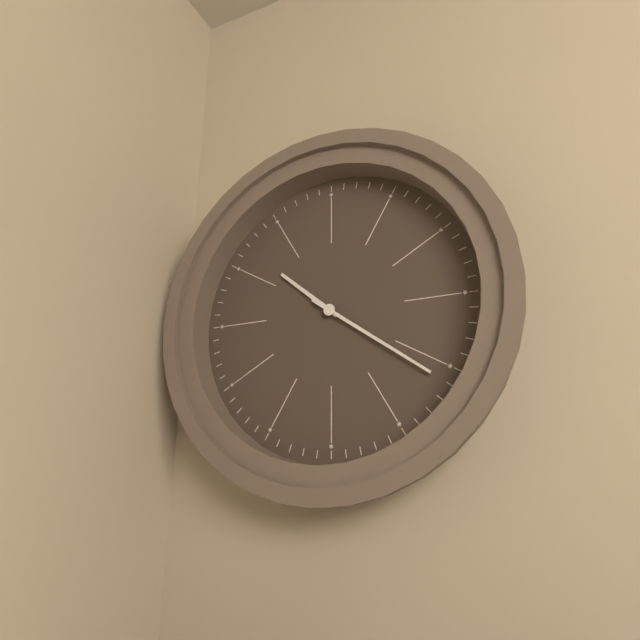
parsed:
10:21
